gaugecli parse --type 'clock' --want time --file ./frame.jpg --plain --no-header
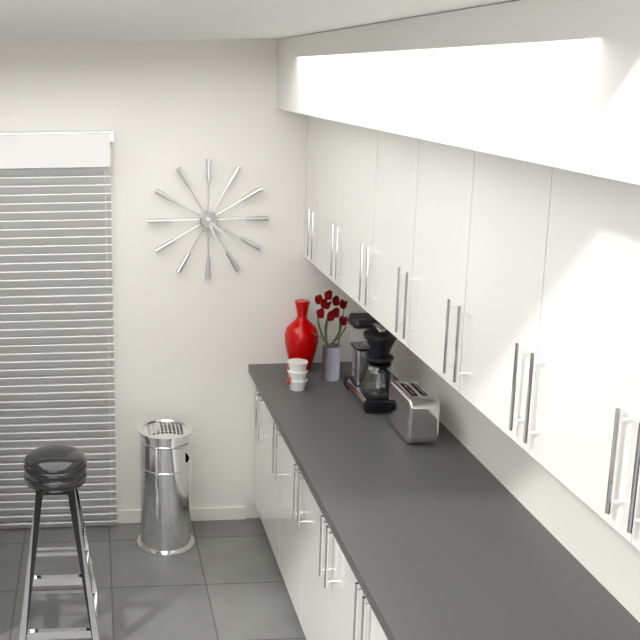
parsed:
5:22
